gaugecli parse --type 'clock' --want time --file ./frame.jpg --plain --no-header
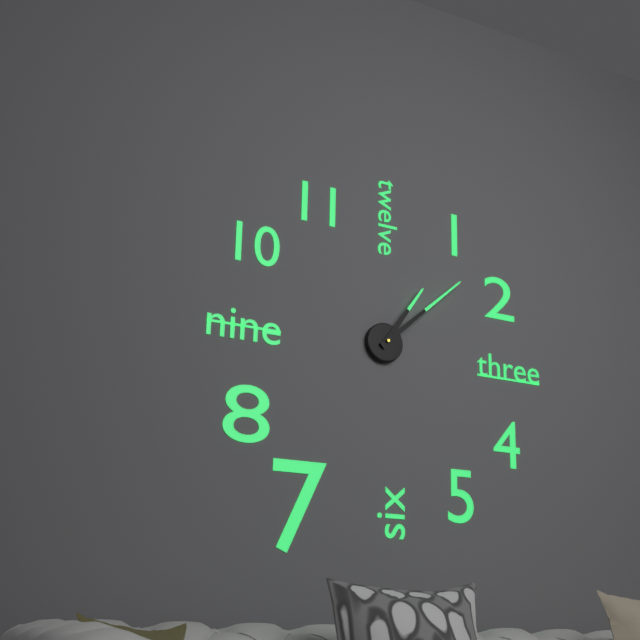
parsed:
1:08
